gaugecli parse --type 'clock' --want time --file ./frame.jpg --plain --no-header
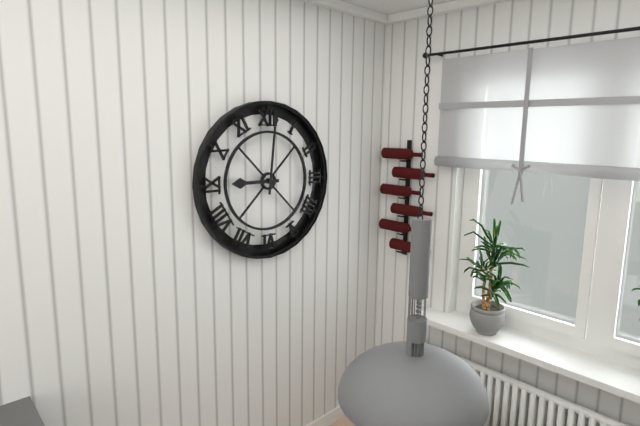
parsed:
9:01
